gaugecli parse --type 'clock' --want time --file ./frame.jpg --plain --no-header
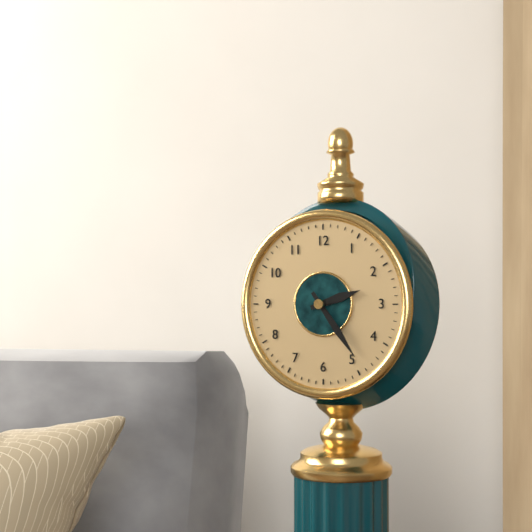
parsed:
2:24
